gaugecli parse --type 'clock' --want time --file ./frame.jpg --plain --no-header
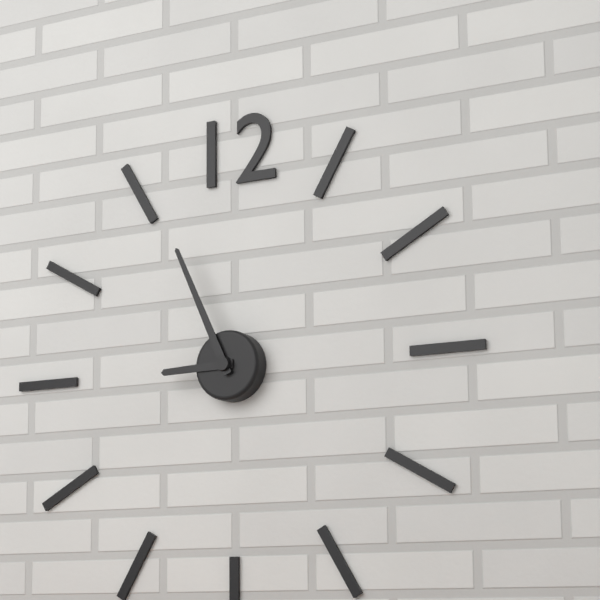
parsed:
8:56
